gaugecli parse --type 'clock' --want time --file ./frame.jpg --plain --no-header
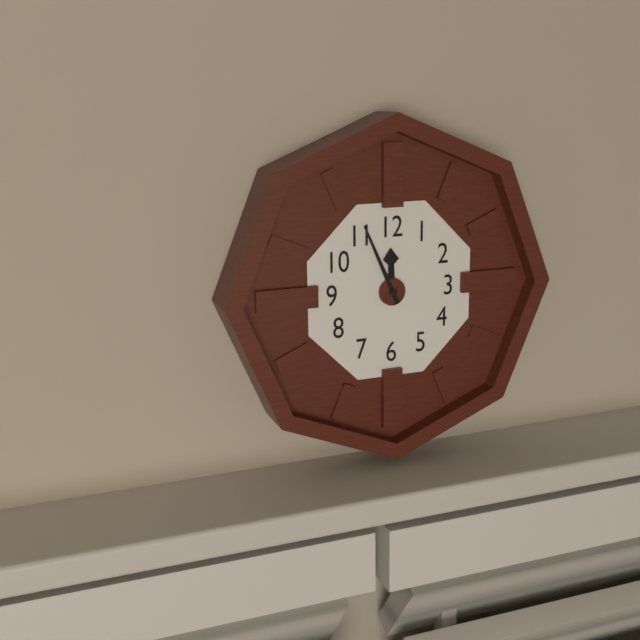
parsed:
11:56
